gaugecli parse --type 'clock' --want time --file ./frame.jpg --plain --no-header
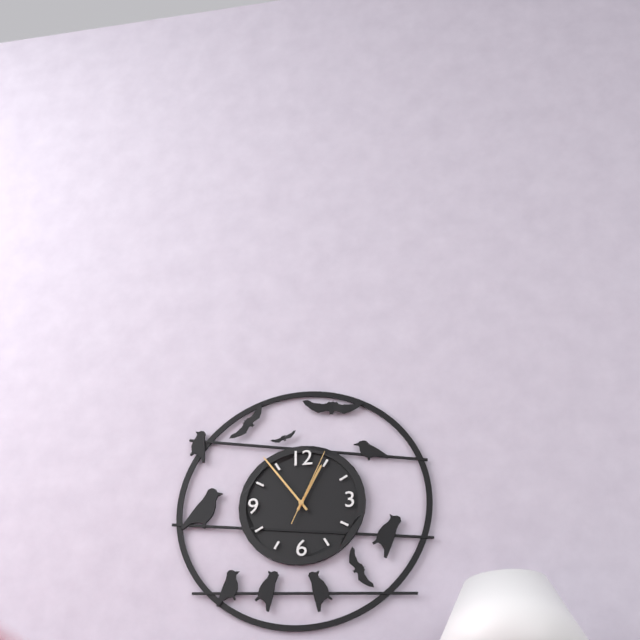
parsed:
12:54:04
